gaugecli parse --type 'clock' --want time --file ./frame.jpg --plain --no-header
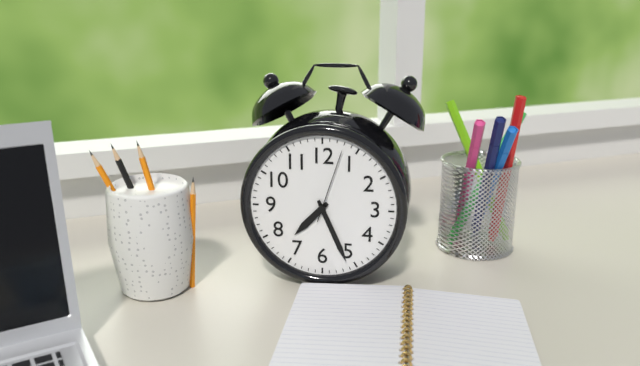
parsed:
7:26:03
